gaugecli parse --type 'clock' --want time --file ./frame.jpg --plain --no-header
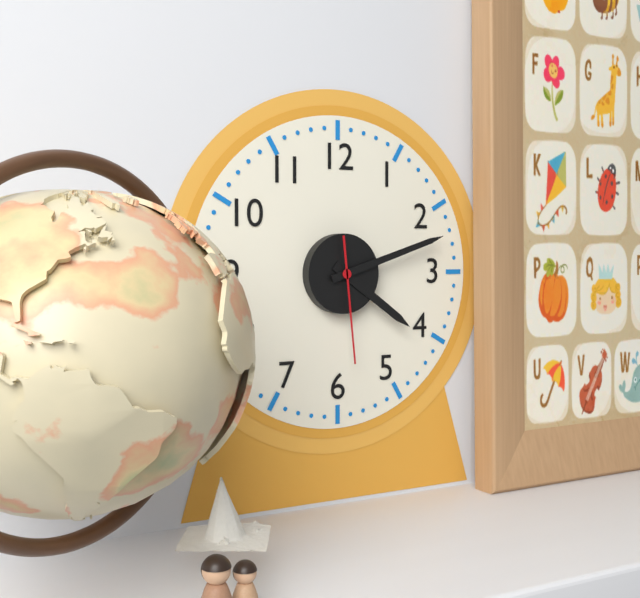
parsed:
4:12:29
